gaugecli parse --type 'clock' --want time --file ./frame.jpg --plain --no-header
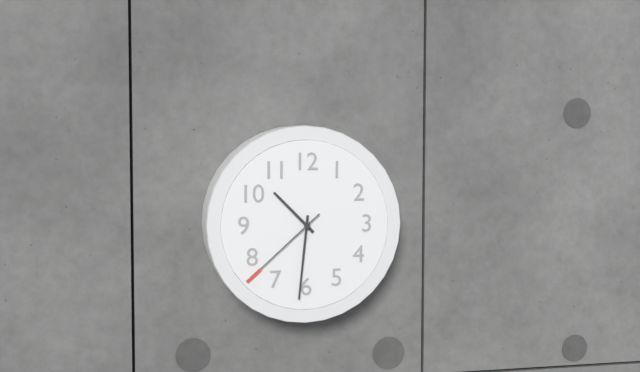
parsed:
10:31:38
